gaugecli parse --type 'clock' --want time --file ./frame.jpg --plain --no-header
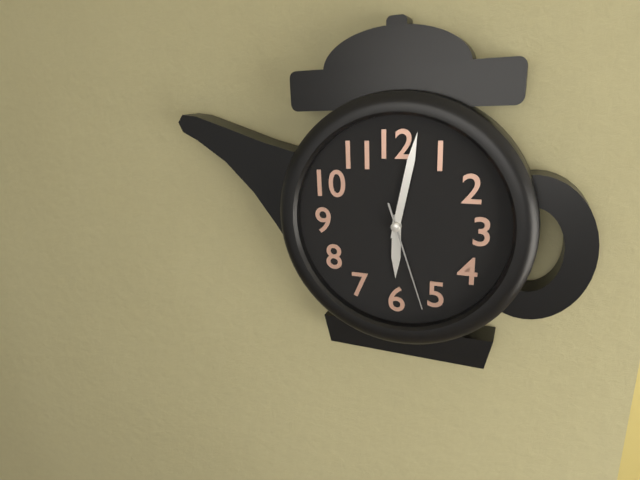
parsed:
6:02:27
